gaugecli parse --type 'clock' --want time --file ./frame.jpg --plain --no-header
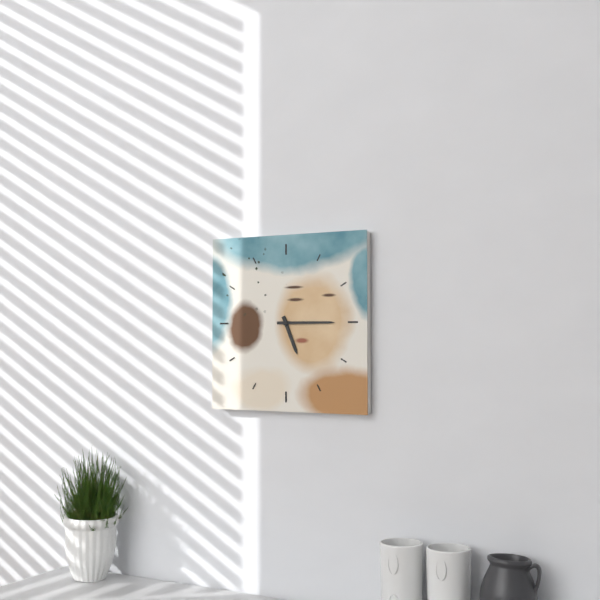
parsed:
5:15
